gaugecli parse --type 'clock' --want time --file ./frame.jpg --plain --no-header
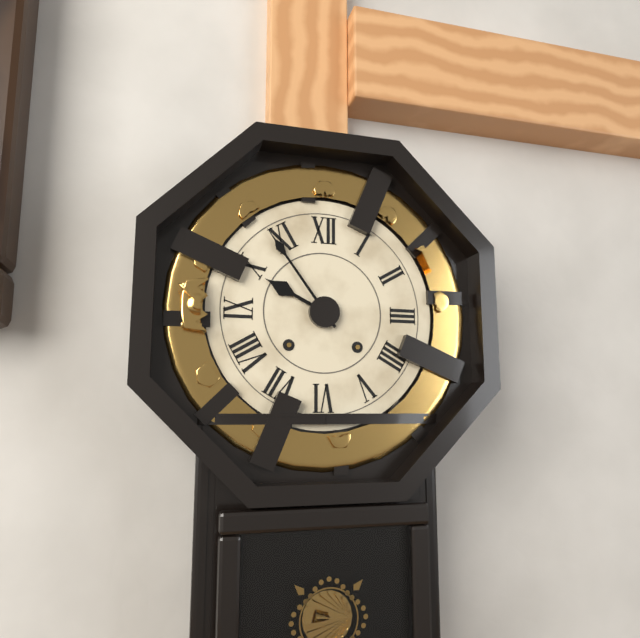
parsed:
9:54
